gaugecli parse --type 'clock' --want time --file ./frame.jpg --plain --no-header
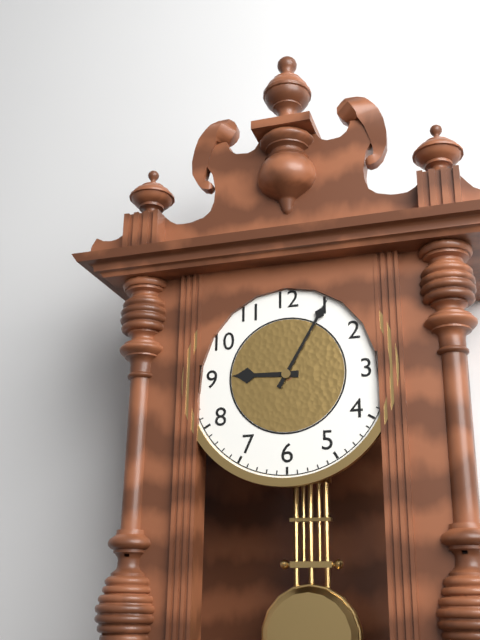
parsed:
9:05
